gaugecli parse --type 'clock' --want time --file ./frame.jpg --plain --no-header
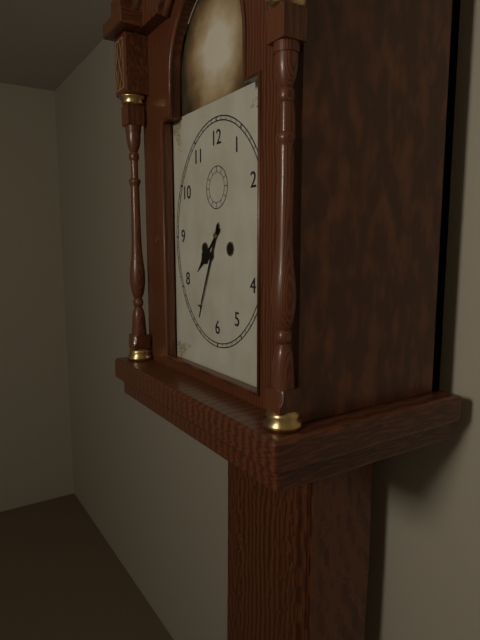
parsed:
7:34
